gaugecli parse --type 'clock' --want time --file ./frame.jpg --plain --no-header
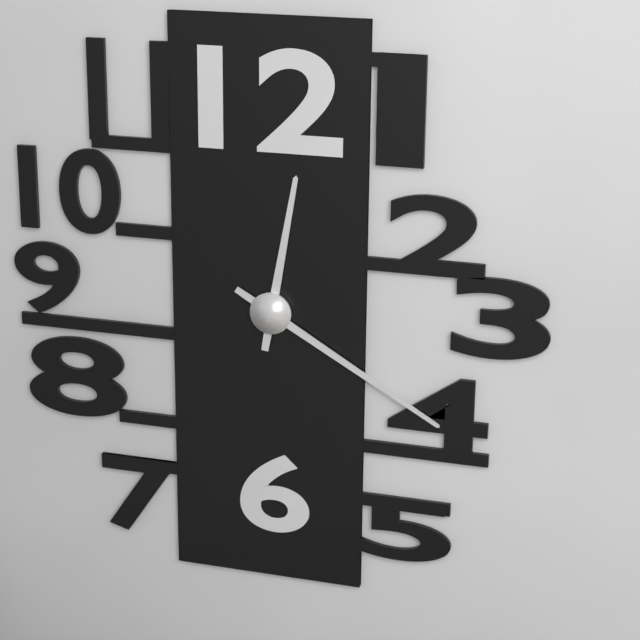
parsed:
12:20
